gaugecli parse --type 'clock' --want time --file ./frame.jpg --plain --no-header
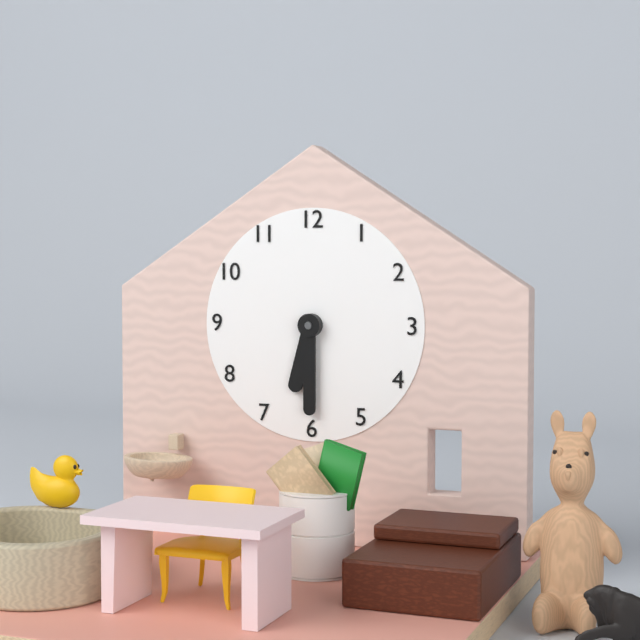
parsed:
6:30
